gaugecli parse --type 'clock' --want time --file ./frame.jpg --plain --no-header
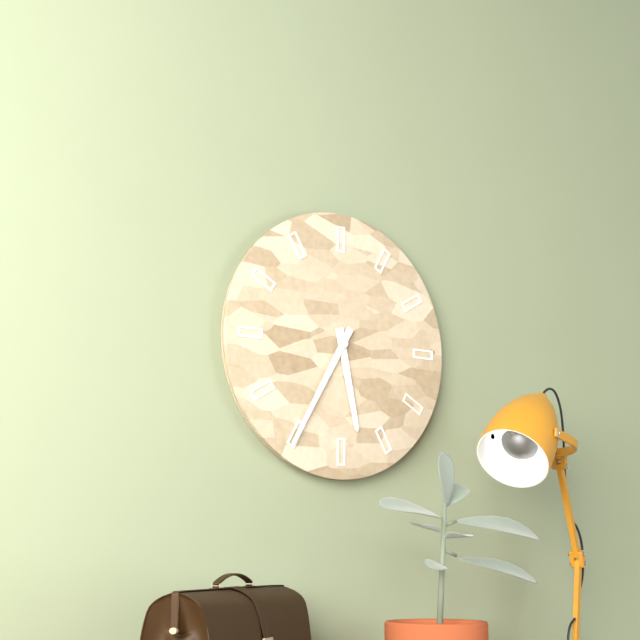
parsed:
5:35
